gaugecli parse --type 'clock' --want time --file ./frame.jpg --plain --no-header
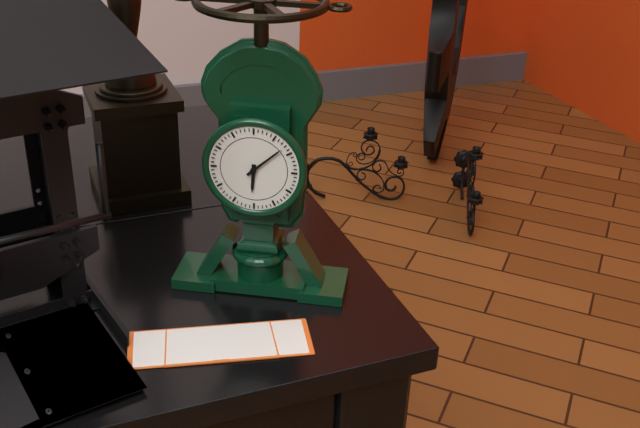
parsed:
6:08
